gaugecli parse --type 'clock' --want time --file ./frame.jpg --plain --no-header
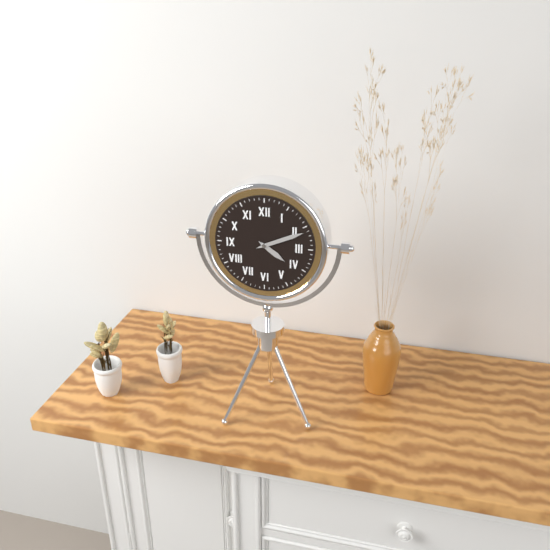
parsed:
4:11
